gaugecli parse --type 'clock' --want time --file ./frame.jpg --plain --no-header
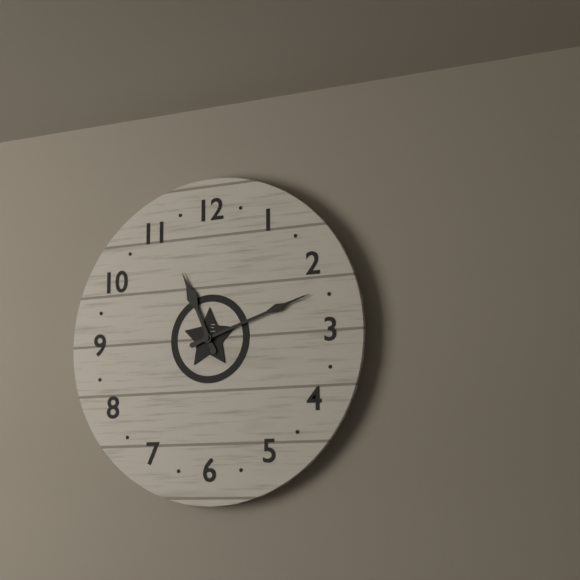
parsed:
11:12
